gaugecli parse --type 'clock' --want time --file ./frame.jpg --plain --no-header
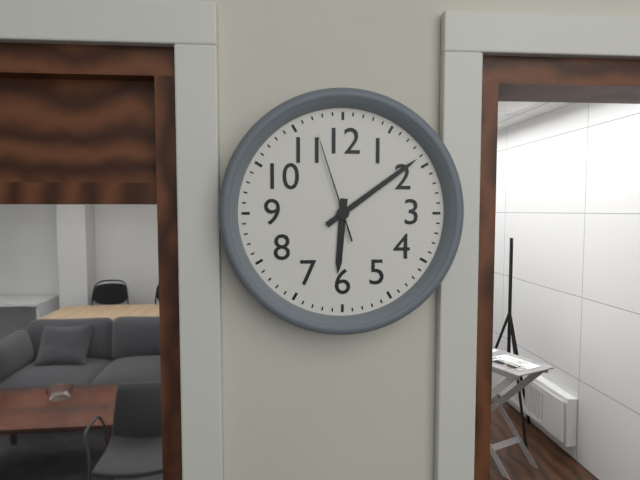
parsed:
6:09:57
